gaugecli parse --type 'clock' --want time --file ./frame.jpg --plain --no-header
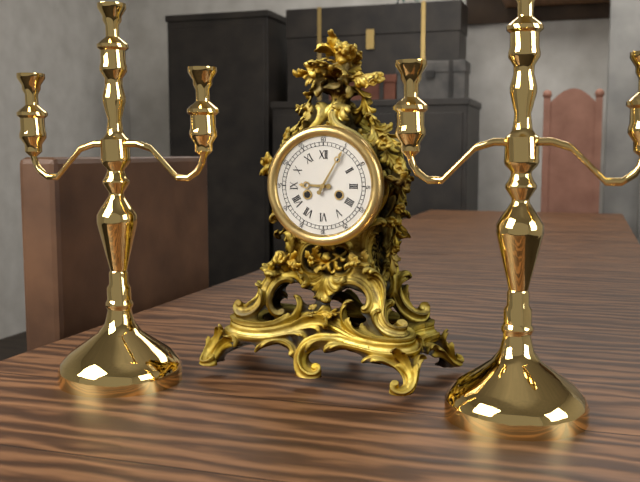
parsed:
9:05
